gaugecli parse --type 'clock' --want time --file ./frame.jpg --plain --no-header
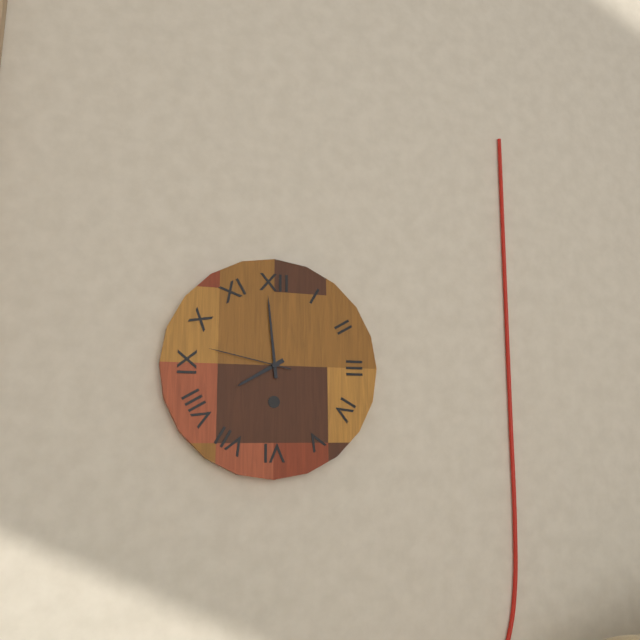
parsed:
7:59:47
